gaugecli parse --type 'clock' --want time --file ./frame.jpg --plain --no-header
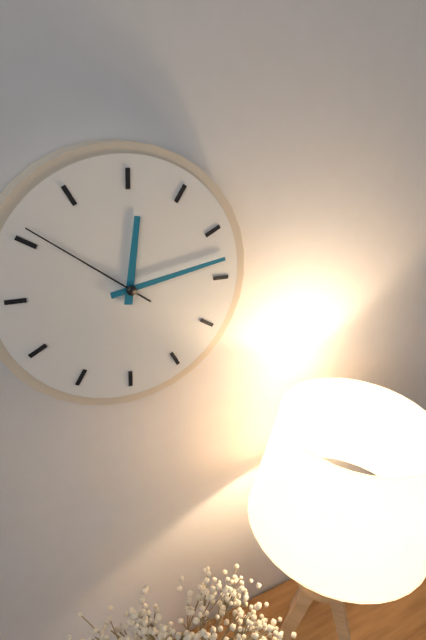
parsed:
12:13:51
